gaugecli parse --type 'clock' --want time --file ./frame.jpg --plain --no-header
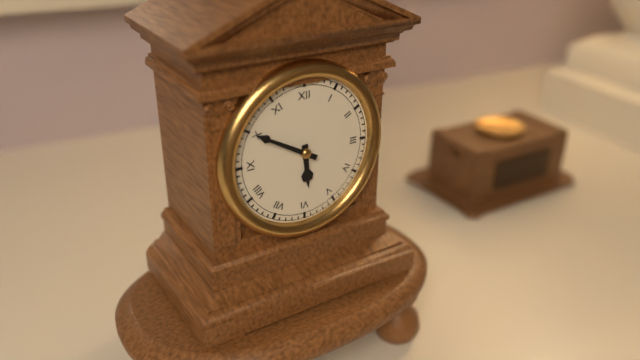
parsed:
5:50
